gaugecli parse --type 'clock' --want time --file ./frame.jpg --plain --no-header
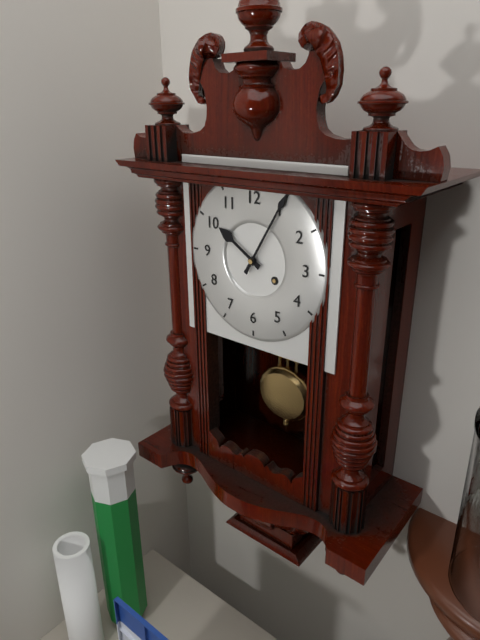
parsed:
10:05
